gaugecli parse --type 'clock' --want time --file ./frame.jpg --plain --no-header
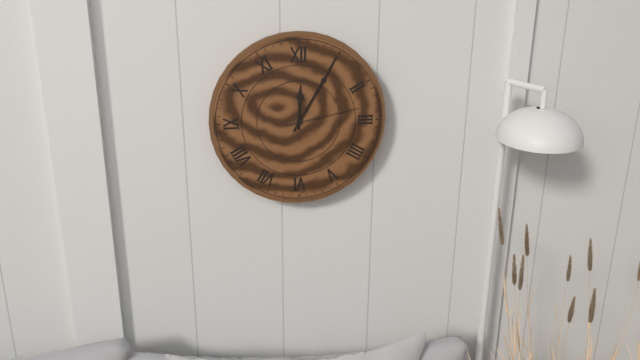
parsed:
12:05:13
